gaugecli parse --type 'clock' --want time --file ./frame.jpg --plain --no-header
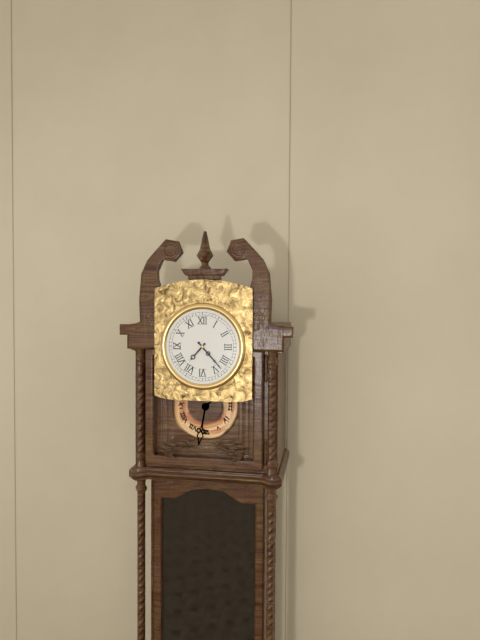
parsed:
7:23
